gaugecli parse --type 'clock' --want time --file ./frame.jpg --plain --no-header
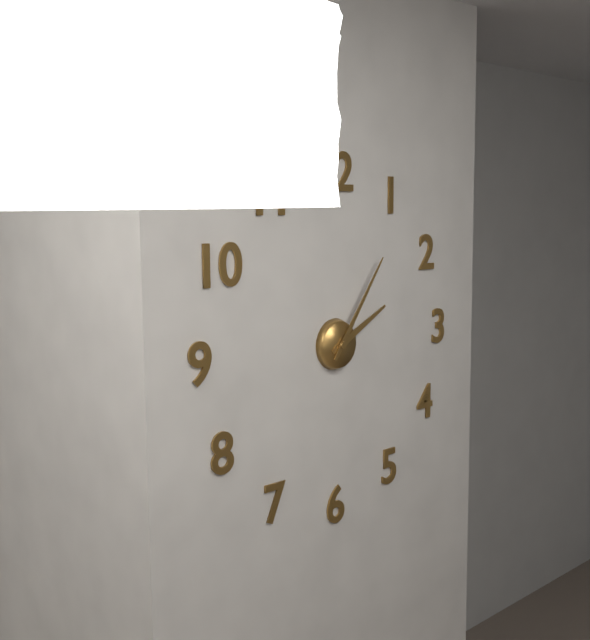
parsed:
2:06
